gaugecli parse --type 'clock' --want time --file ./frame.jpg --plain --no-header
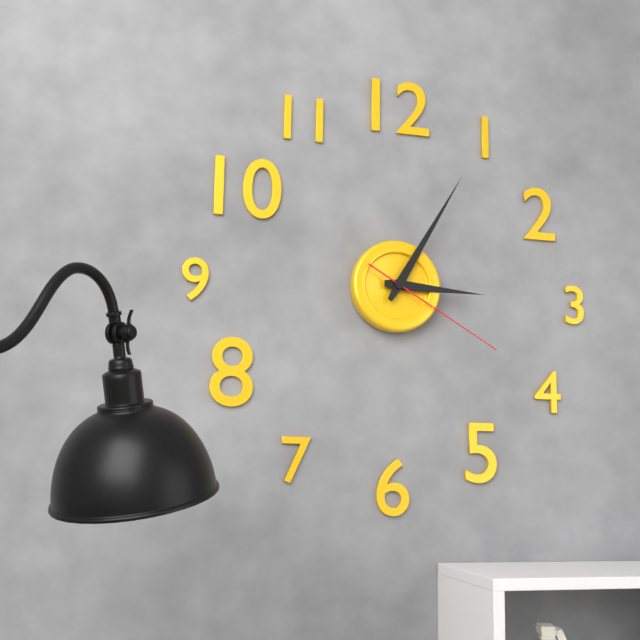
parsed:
3:05:20
